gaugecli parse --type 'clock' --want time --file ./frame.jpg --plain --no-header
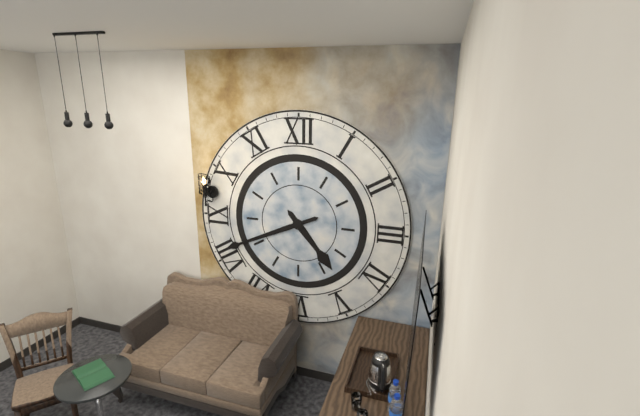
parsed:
4:41
